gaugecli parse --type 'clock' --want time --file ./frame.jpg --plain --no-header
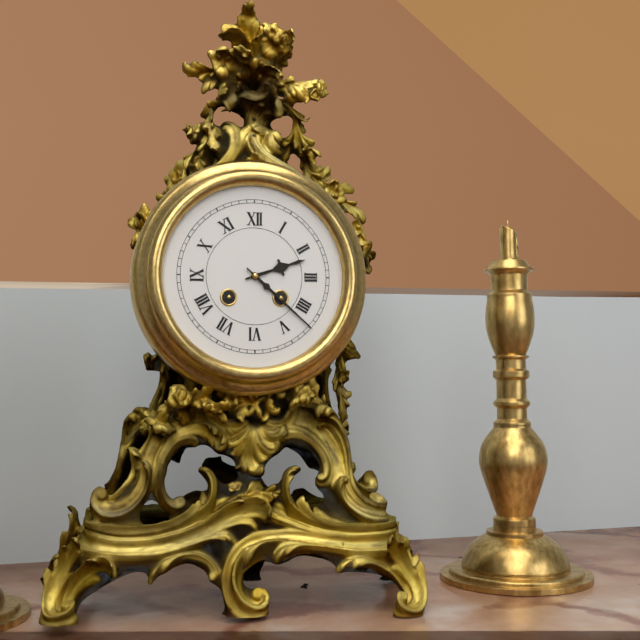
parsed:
2:22
